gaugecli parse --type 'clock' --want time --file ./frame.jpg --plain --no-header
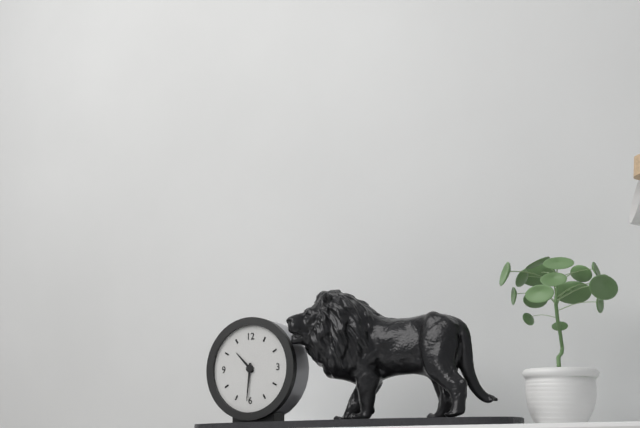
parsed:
10:31
